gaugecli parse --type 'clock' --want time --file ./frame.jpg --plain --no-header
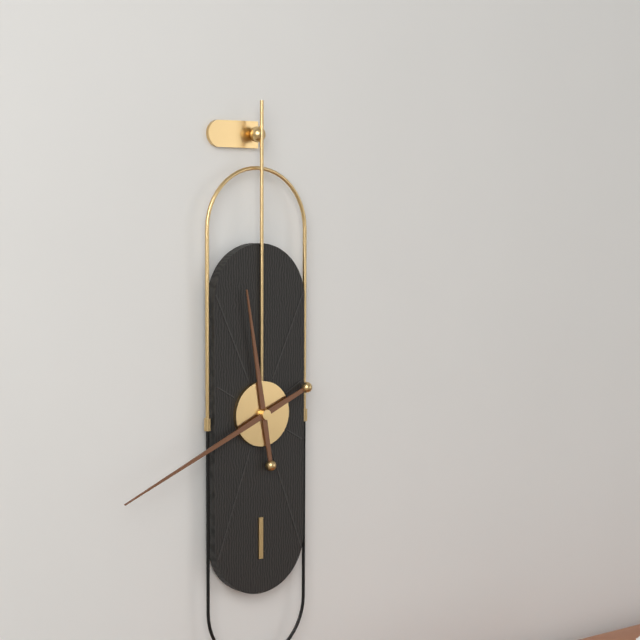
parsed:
11:41
